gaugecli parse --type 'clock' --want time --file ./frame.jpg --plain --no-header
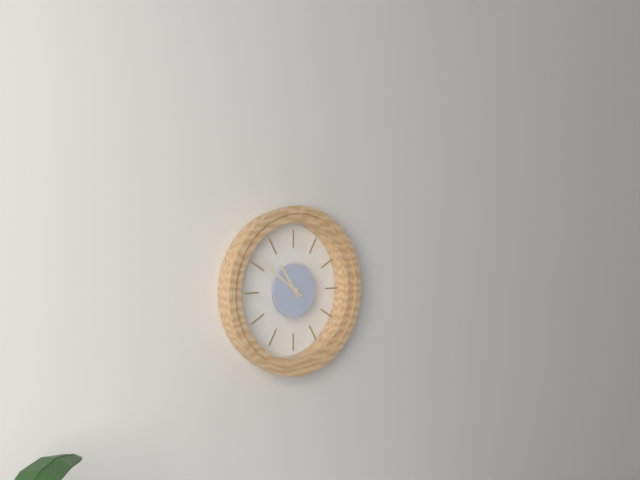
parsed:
10:51
